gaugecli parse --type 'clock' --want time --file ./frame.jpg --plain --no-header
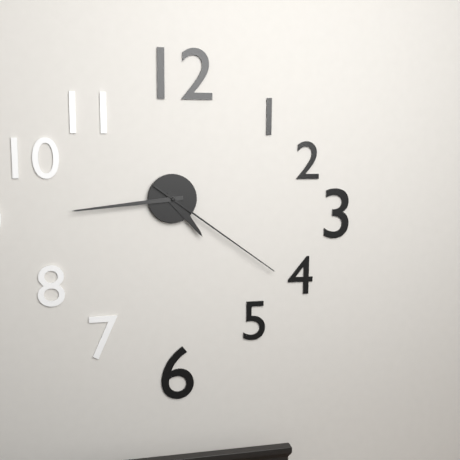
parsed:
4:44:21
